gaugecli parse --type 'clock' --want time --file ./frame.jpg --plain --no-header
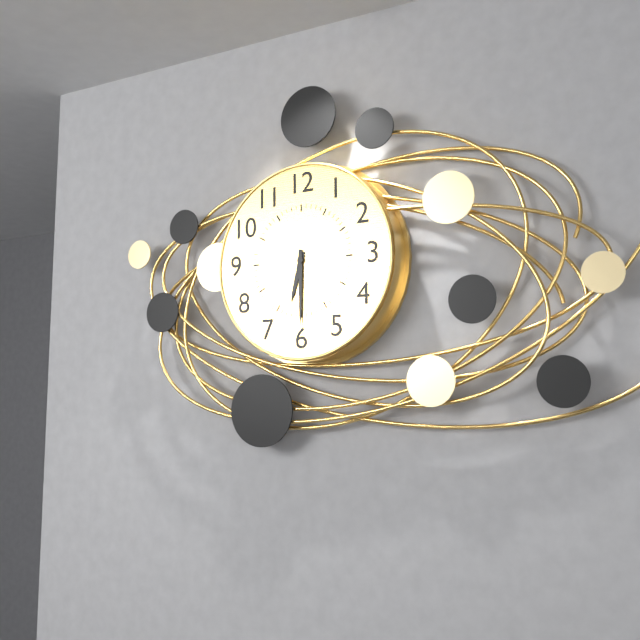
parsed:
6:30
